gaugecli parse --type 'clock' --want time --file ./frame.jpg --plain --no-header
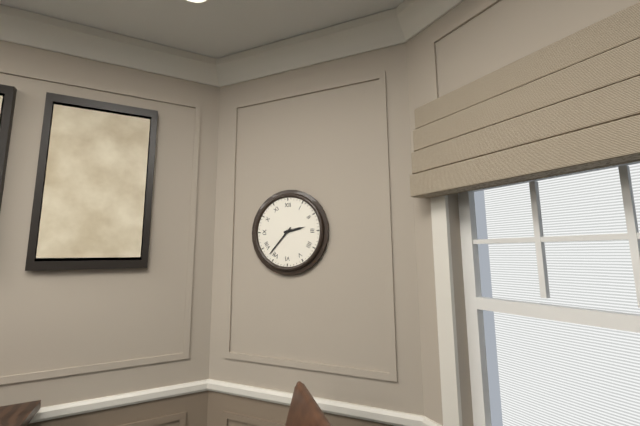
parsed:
2:37
